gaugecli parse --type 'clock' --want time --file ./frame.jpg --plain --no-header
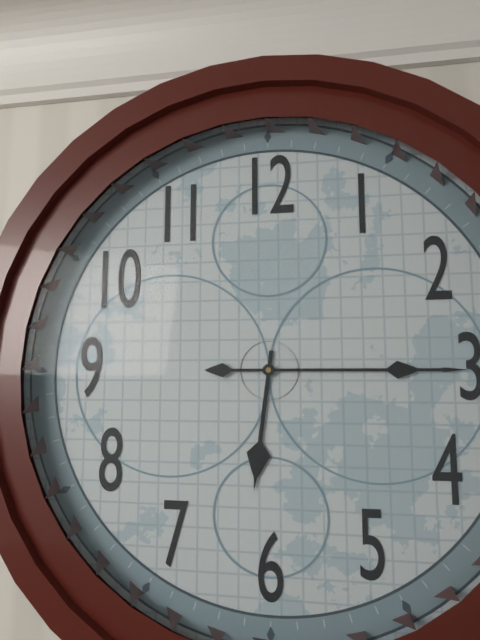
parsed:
6:15
